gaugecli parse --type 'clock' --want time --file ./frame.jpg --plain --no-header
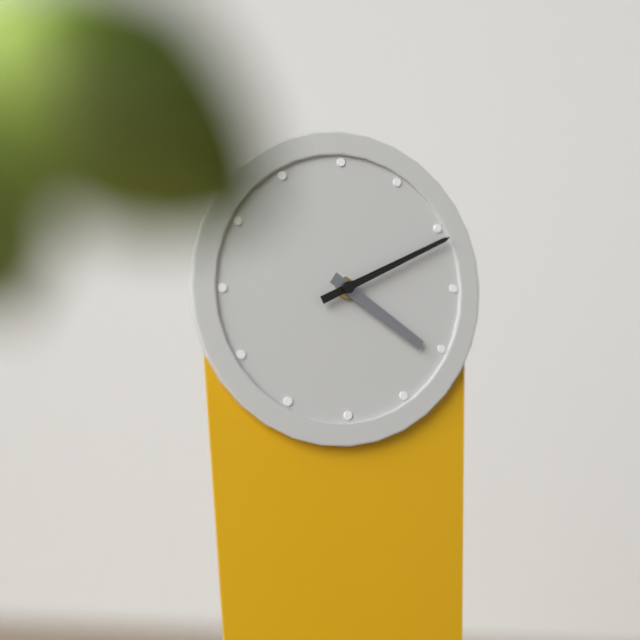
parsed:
4:11
